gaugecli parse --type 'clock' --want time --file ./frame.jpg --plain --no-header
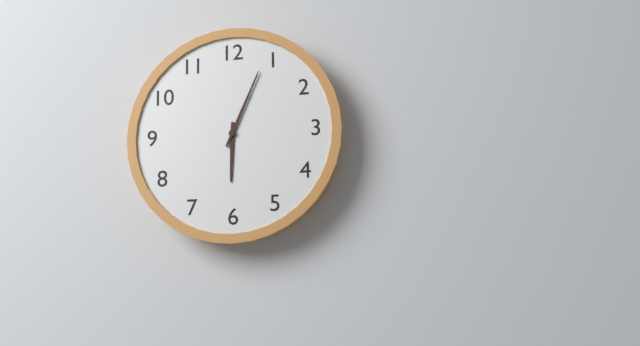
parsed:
6:04
